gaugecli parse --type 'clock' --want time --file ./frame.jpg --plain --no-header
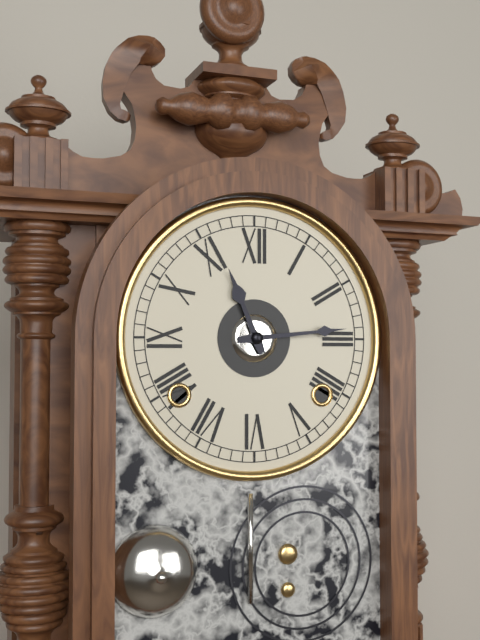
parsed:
11:14
